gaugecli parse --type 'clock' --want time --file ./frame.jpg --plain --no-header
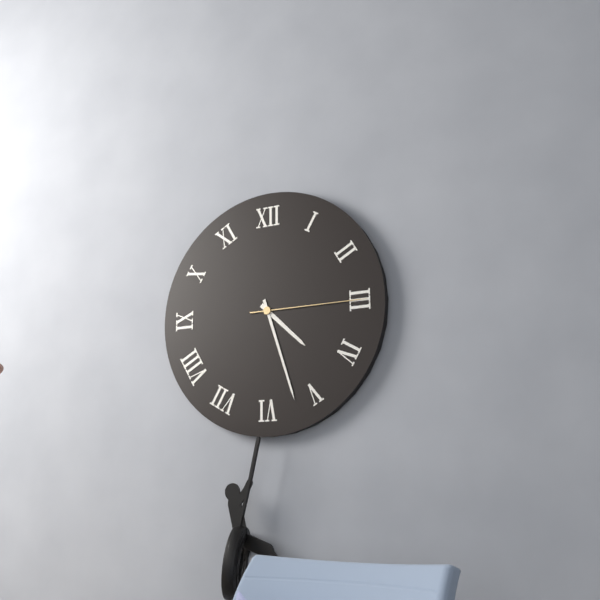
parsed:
4:27:15
